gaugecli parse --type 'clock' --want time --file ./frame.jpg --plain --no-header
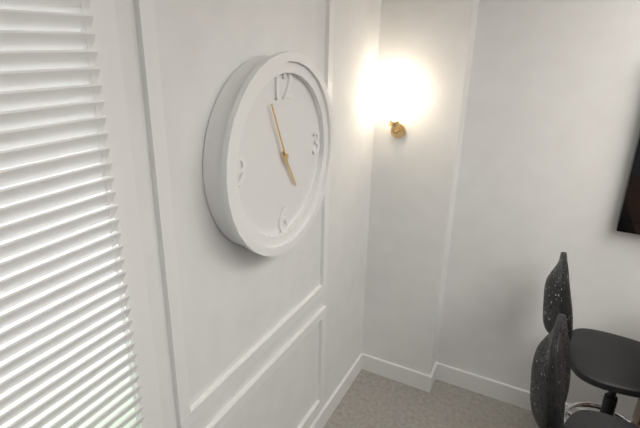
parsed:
4:56
